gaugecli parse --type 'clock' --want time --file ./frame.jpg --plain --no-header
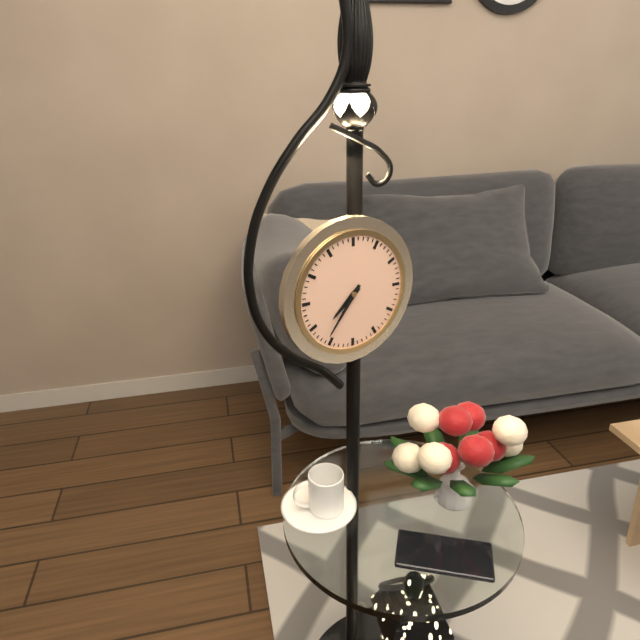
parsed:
7:36
